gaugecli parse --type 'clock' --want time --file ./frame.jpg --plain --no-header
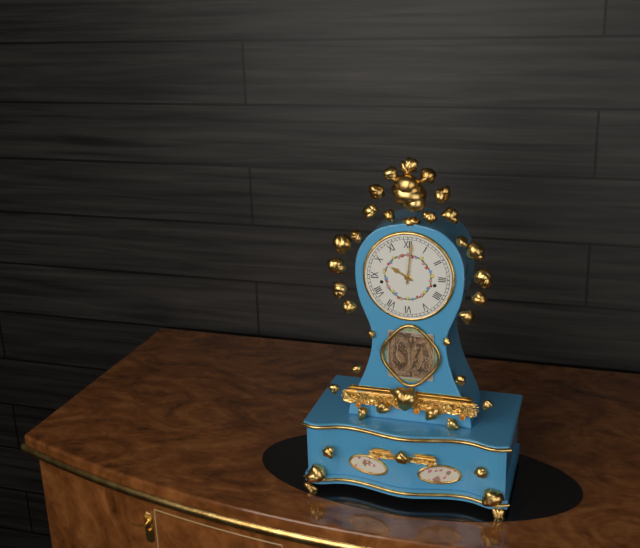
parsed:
10:01
